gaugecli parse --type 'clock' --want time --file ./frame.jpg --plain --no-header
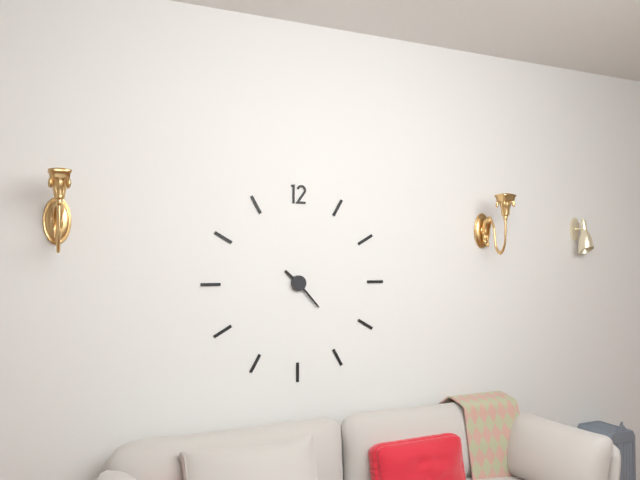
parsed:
10:23
